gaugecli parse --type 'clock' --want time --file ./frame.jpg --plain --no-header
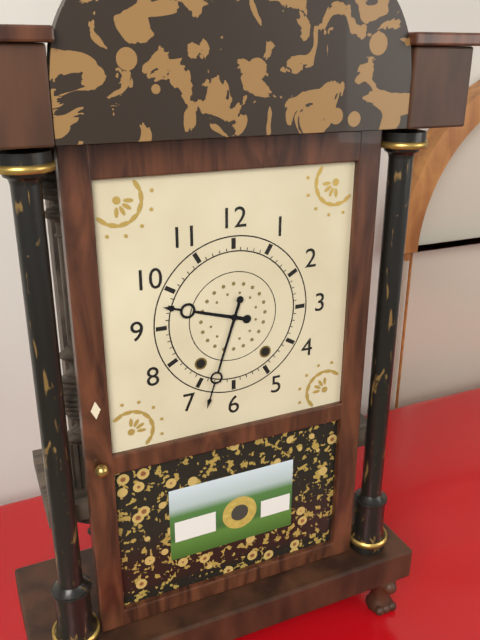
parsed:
9:33
